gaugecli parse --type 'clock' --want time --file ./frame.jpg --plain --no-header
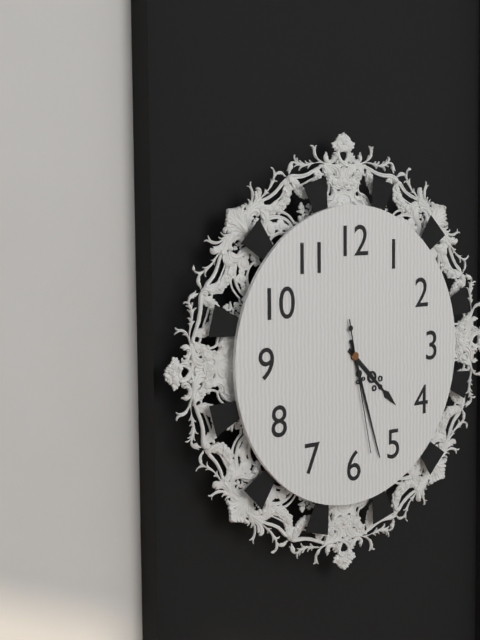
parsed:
4:27:28
